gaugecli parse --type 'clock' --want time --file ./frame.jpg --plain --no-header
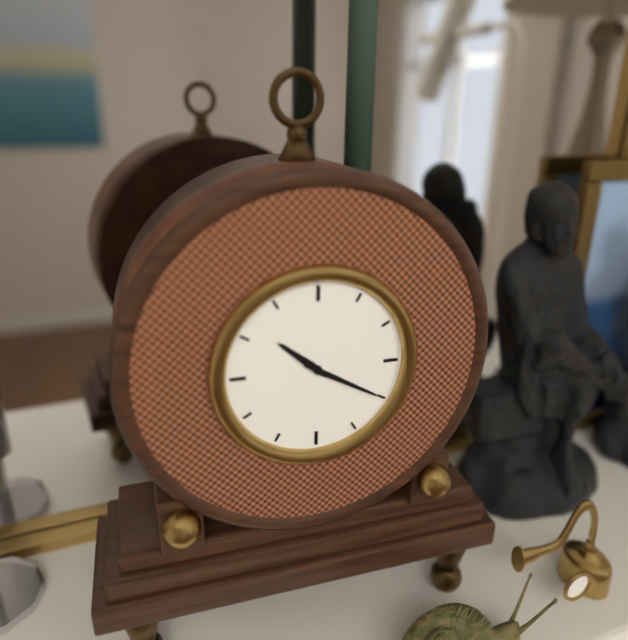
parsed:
10:20
